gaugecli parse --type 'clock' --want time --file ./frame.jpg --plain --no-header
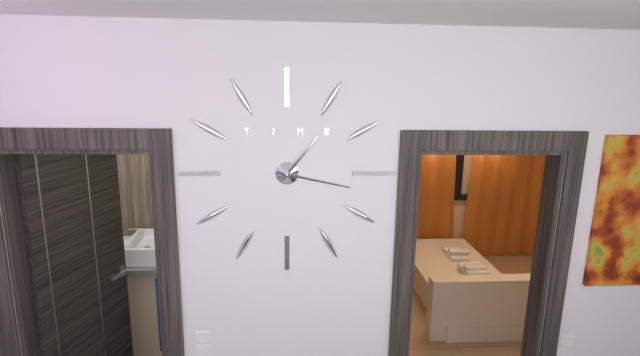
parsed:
1:17
